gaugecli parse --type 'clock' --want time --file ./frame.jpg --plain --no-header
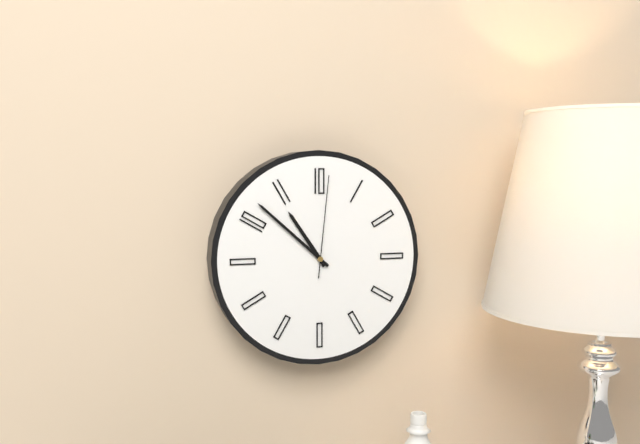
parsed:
10:52:01
